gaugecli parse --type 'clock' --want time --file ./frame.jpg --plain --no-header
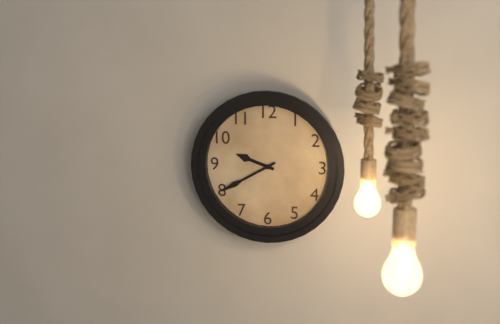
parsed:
9:40
